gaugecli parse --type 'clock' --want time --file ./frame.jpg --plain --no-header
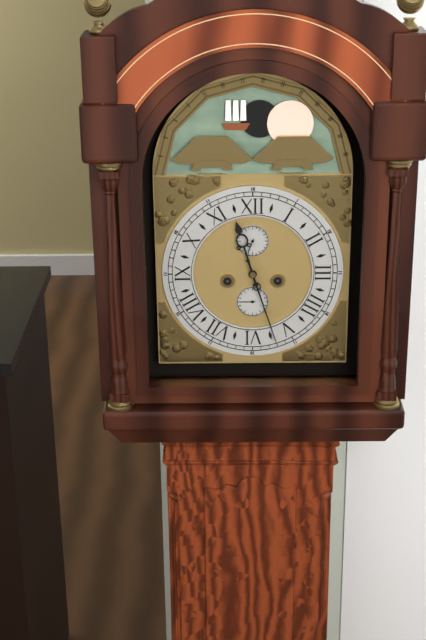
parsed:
11:27
